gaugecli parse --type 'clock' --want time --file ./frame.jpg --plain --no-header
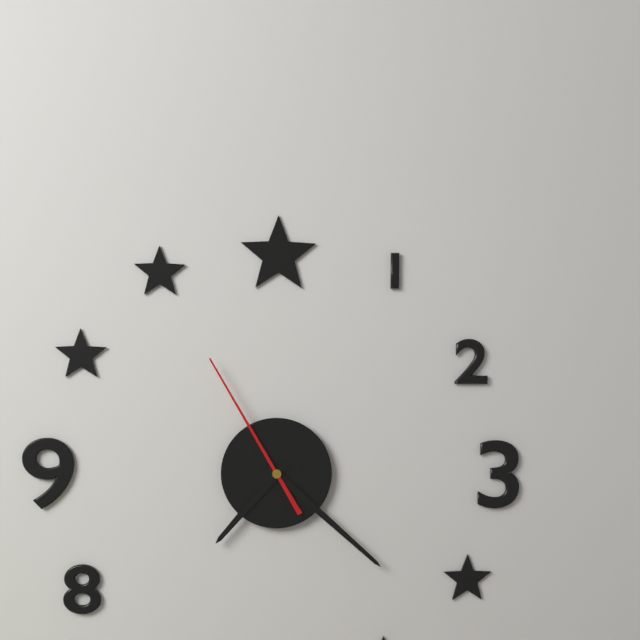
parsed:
7:22:55
